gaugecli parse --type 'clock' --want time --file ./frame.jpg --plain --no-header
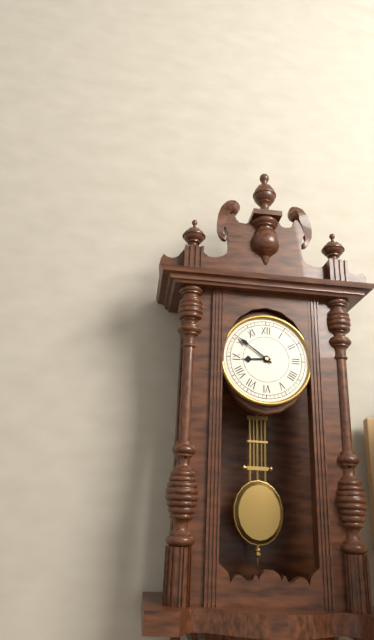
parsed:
8:51
